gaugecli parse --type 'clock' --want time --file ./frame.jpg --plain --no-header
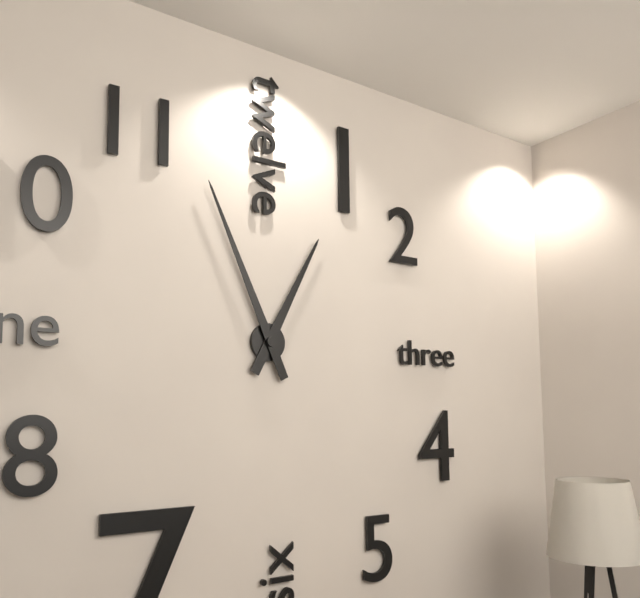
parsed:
12:56
